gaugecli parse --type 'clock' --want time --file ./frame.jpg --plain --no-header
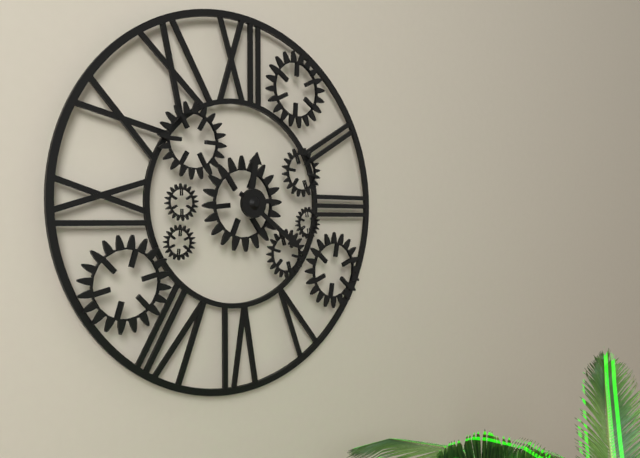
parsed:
12:21
